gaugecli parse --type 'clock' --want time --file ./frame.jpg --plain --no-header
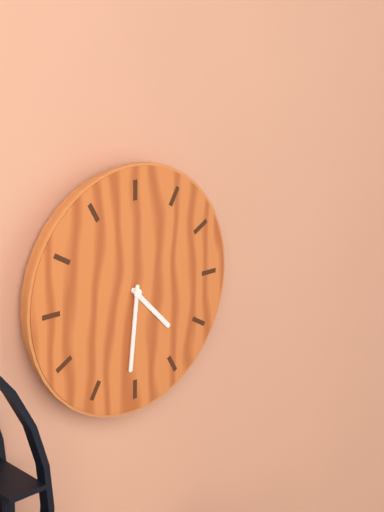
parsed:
4:31
